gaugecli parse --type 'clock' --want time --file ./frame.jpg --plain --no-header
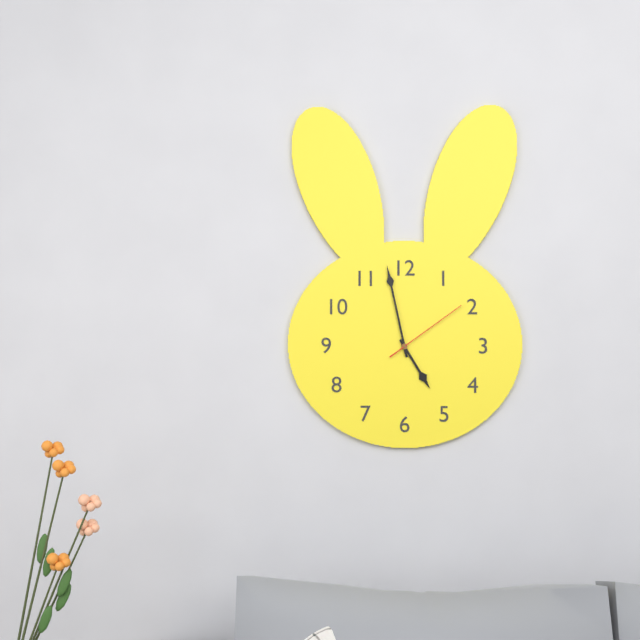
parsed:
4:58:09
